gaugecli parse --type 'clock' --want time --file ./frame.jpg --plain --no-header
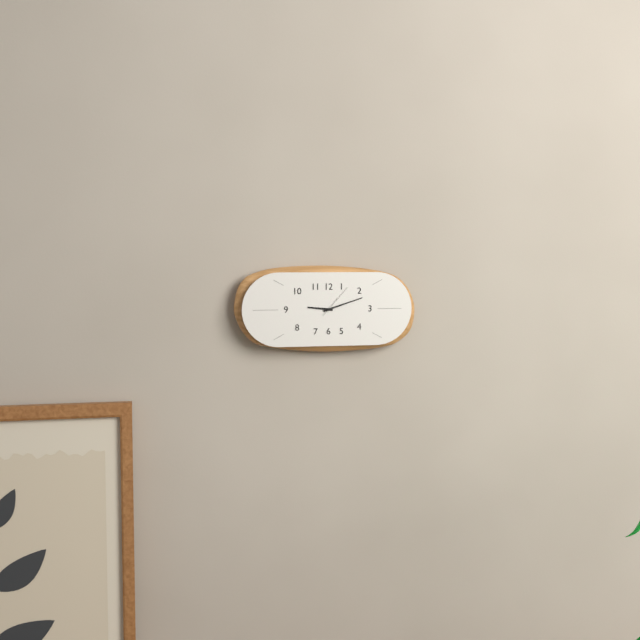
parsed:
9:12
